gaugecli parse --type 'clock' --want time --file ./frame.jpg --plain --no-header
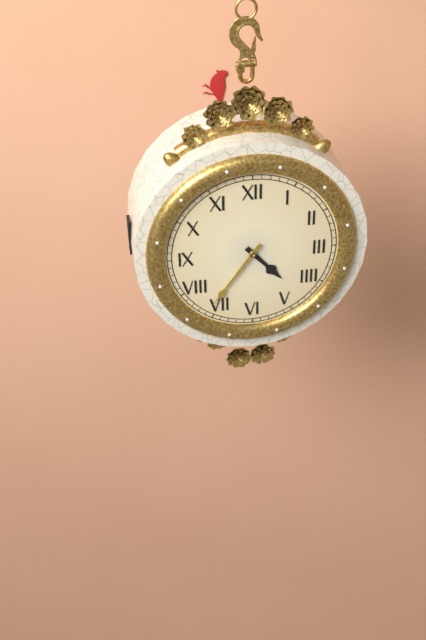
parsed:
4:36
